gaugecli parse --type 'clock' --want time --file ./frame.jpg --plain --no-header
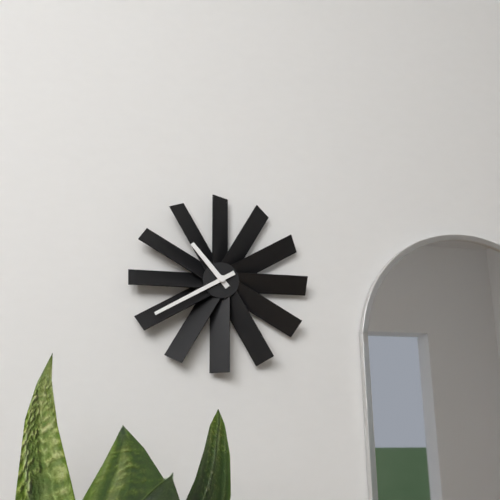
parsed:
10:40
